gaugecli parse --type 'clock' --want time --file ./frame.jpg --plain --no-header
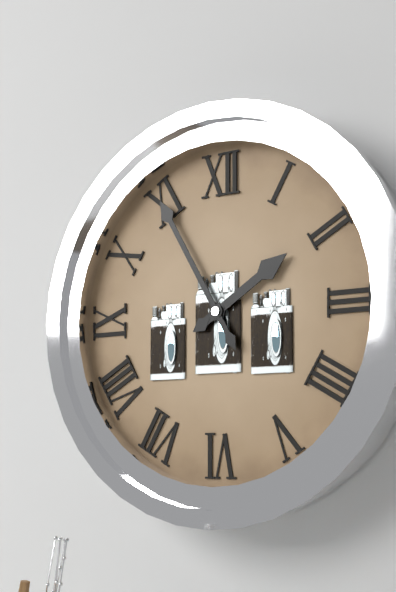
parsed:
1:55
